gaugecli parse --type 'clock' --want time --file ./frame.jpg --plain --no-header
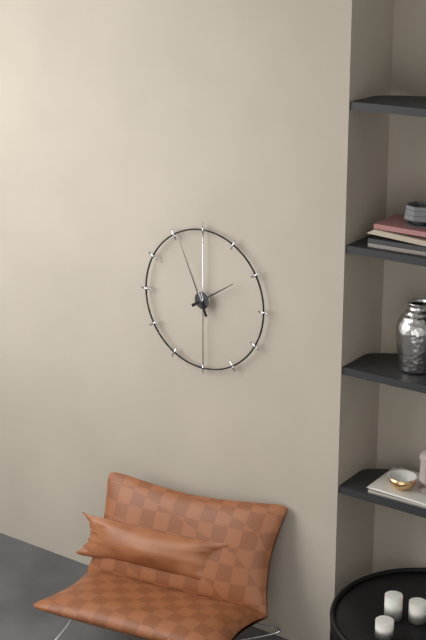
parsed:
1:56
